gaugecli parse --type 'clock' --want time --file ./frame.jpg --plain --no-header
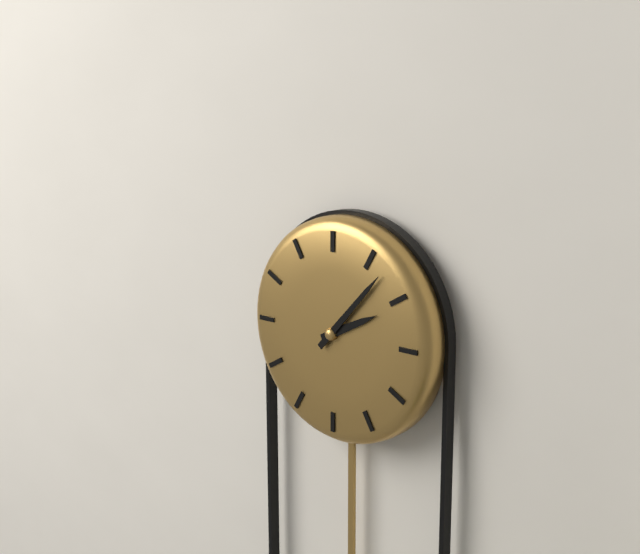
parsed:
2:07
